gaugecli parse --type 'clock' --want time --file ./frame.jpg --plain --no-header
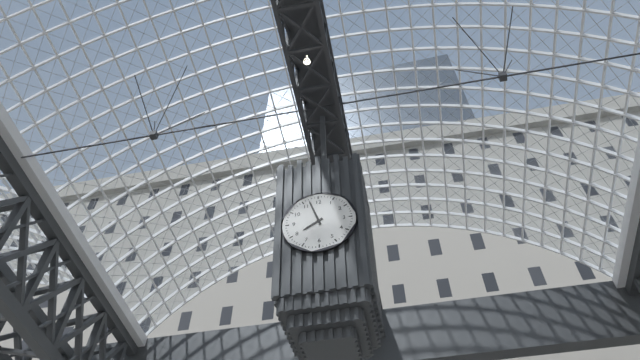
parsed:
7:57
